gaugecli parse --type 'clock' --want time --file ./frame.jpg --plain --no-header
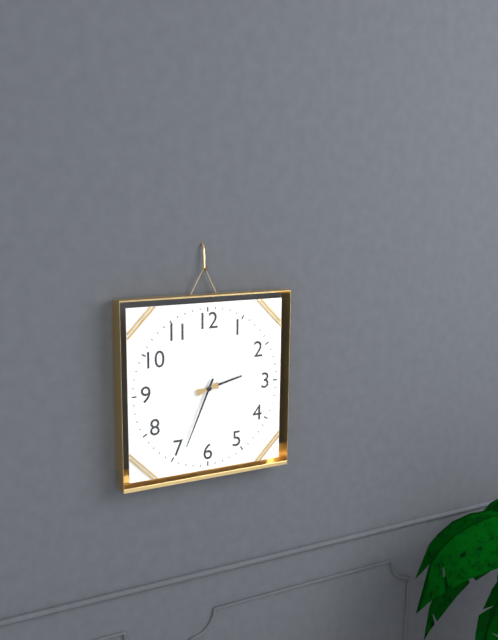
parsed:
2:34
